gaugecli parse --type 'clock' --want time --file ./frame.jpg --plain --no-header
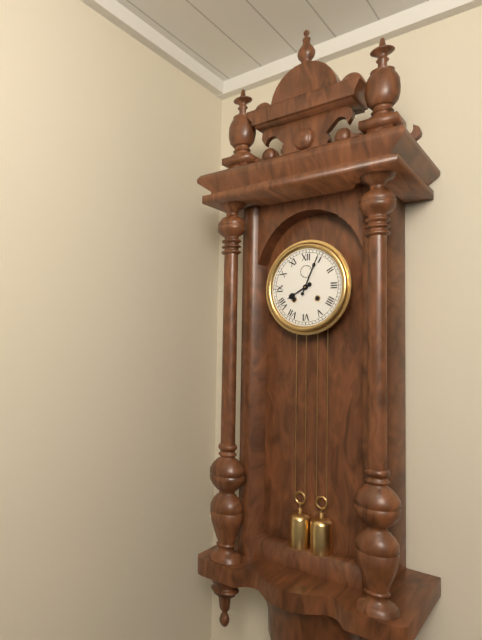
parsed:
8:04
